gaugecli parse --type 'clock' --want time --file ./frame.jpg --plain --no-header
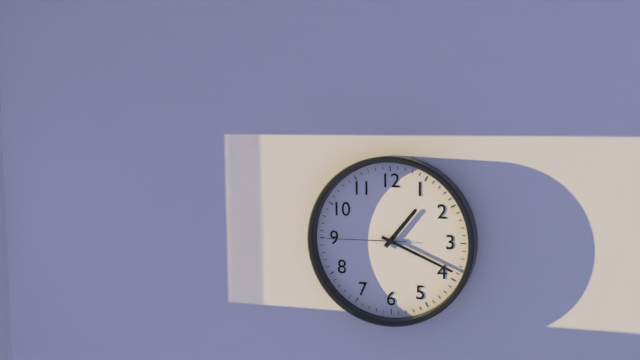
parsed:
1:19:45
